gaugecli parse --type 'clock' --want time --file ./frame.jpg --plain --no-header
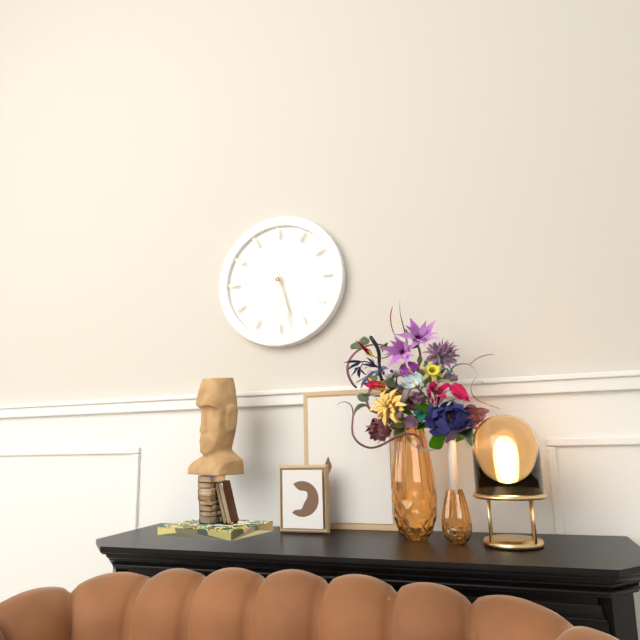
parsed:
5:28
